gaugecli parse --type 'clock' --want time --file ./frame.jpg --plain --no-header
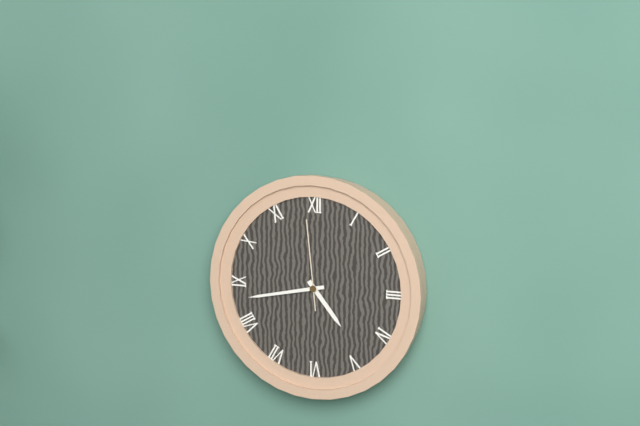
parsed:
4:43:59
